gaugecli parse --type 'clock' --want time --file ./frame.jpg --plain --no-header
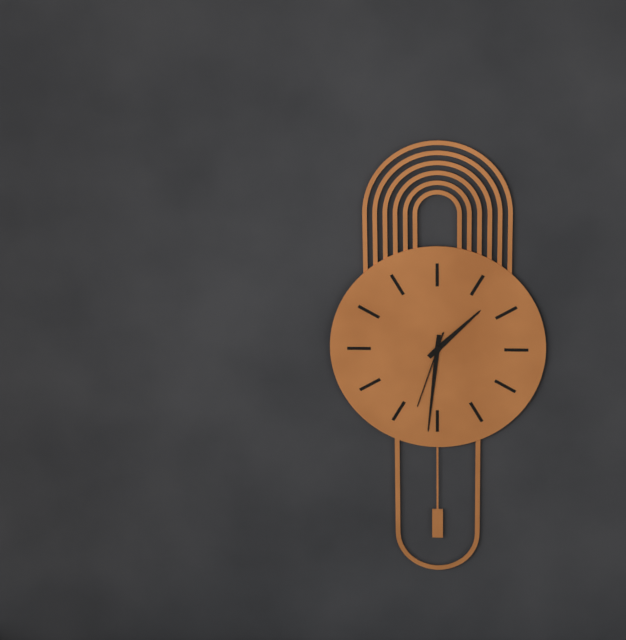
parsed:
1:31:33
